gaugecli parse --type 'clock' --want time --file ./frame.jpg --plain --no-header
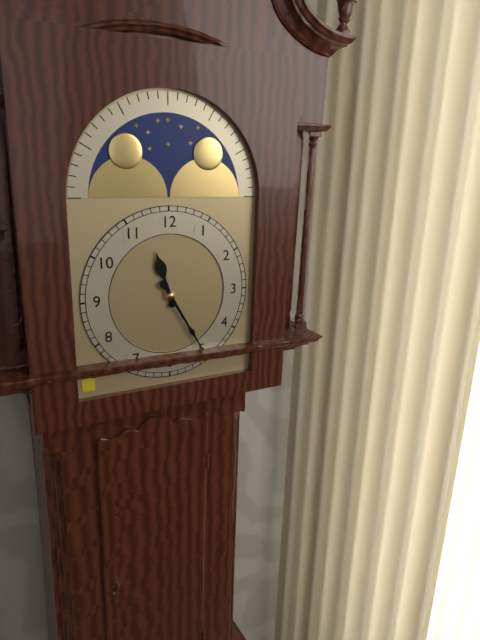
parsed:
11:25
